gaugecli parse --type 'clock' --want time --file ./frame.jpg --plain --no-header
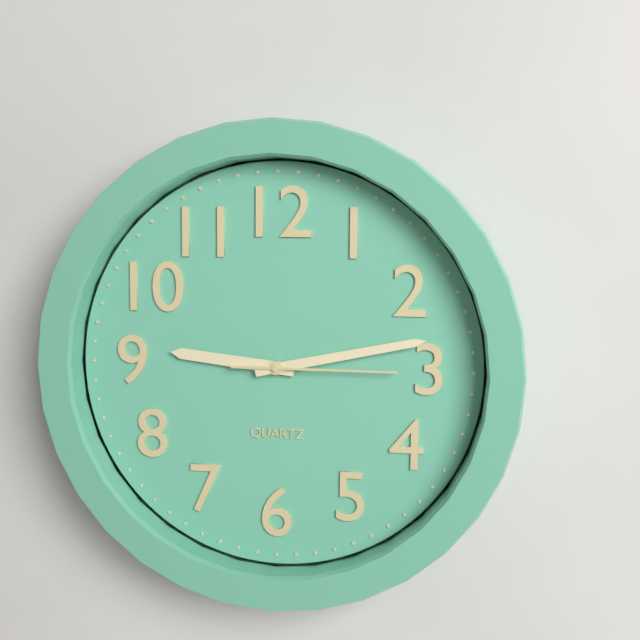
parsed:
9:13:15
